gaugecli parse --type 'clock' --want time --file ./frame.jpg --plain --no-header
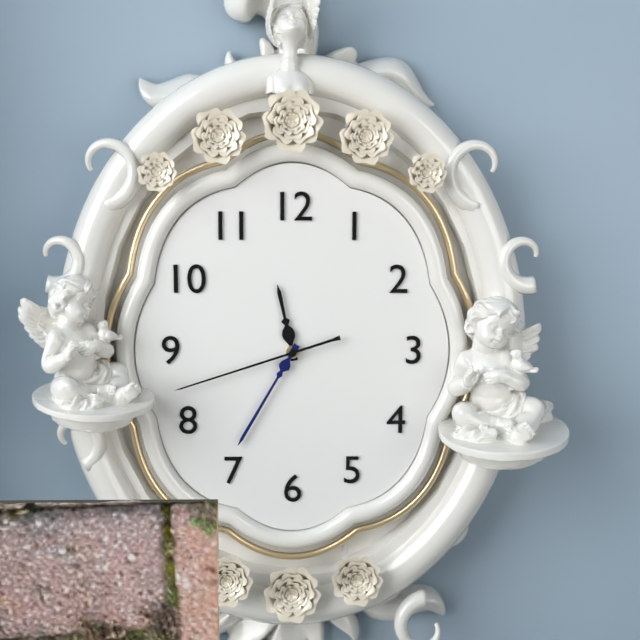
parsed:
11:35:42
